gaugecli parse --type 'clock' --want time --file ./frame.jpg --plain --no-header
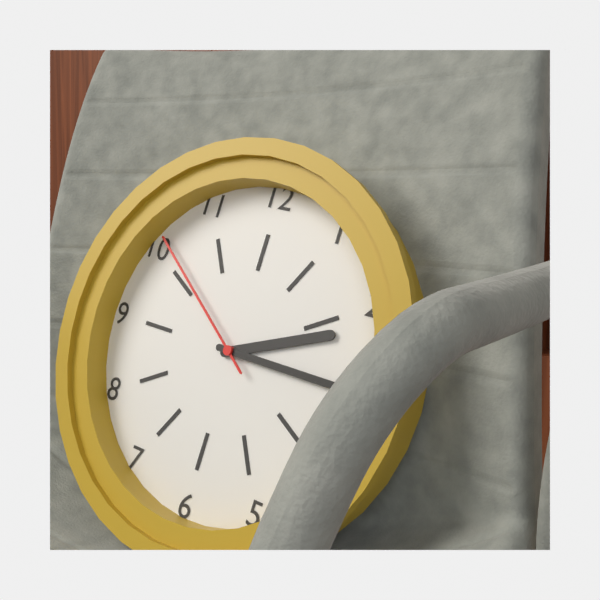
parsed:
2:15:51
